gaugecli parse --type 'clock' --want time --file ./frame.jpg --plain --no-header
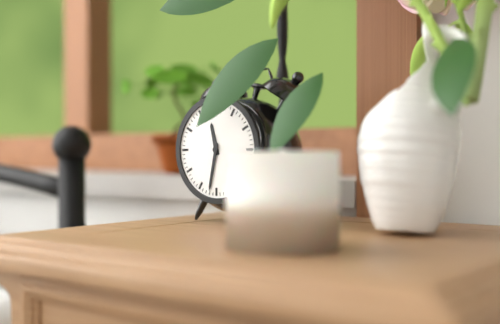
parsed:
11:32
